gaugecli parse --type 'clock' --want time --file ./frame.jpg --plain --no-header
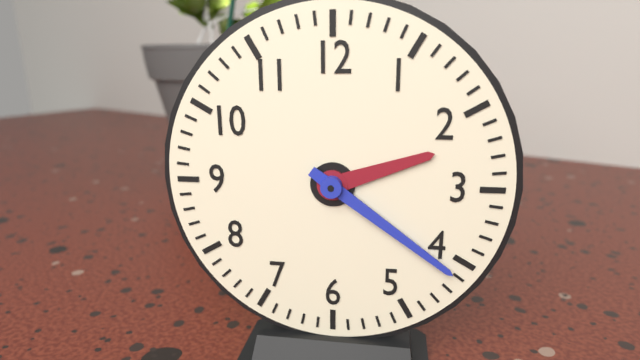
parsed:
2:21
